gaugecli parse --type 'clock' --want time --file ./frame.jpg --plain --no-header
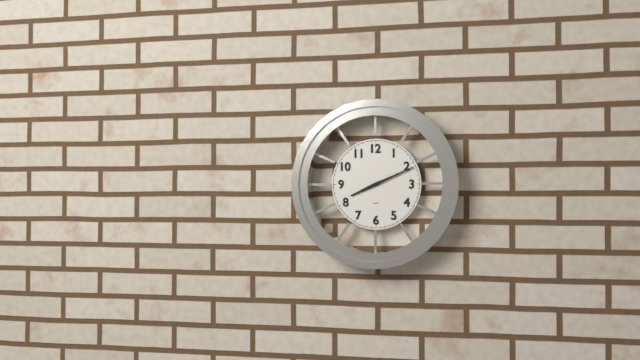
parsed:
8:11
